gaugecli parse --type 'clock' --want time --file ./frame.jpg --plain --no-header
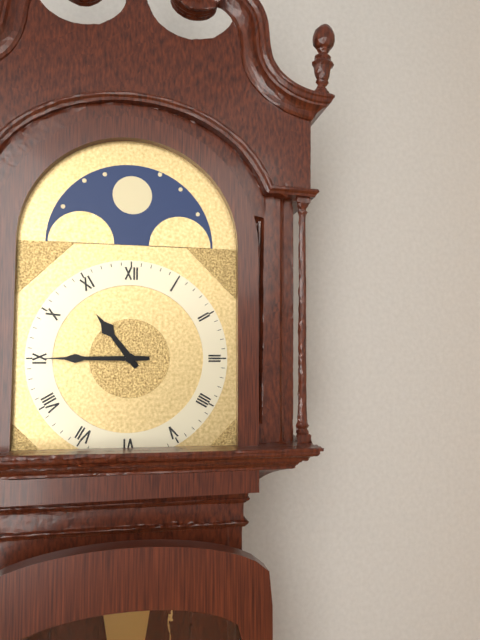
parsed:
10:45
